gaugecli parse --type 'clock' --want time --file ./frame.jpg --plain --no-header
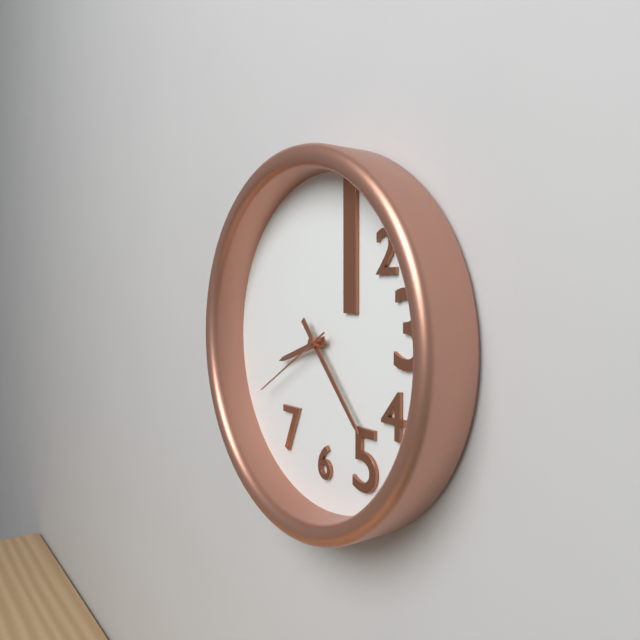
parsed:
8:23:40
